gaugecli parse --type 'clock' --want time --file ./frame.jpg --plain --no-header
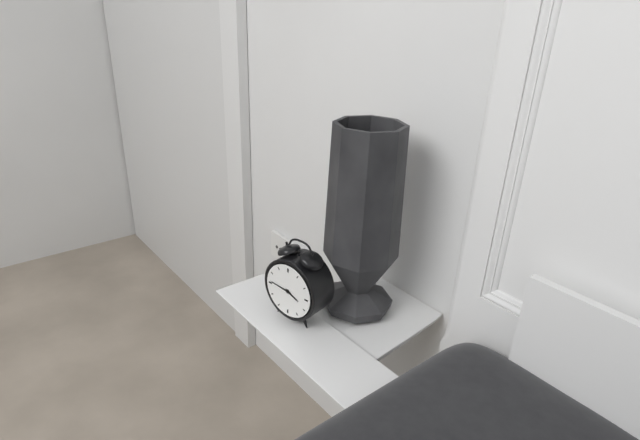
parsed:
3:46
